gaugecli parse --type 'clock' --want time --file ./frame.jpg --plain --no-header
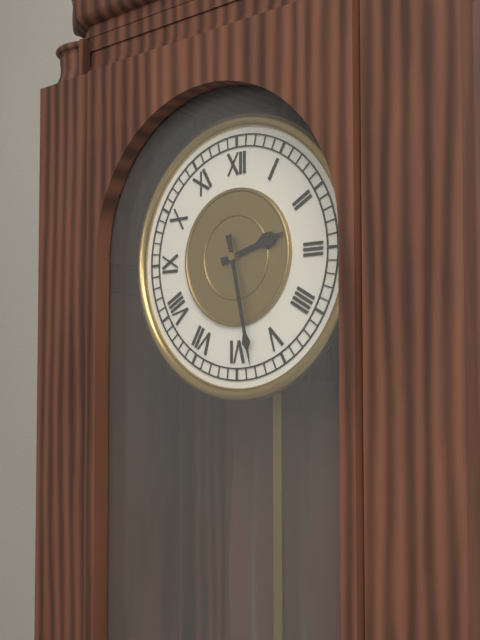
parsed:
2:28
